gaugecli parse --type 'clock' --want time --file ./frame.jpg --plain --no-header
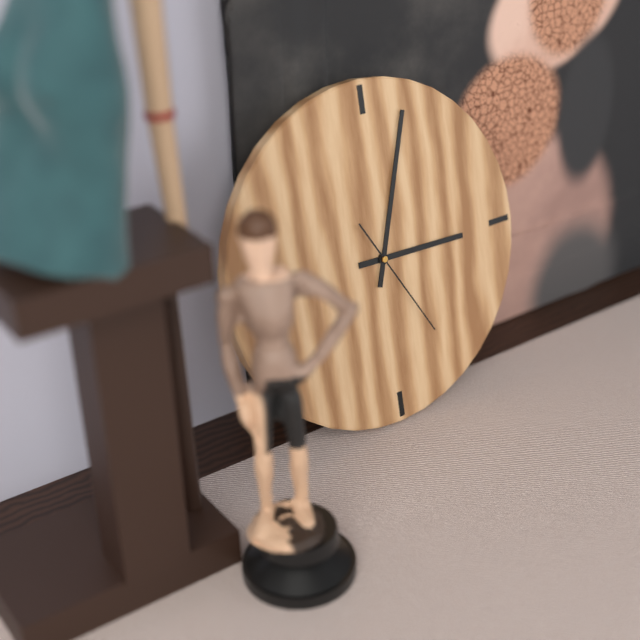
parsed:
3:03:25
